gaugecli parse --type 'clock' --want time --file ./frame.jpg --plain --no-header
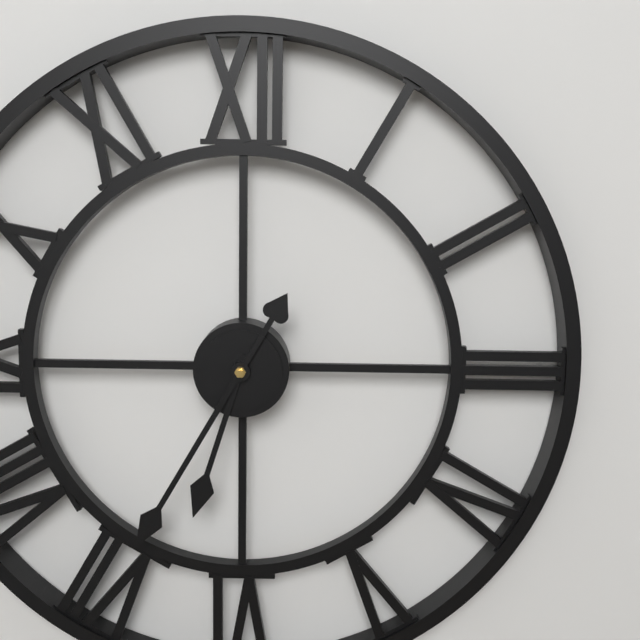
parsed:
6:35
